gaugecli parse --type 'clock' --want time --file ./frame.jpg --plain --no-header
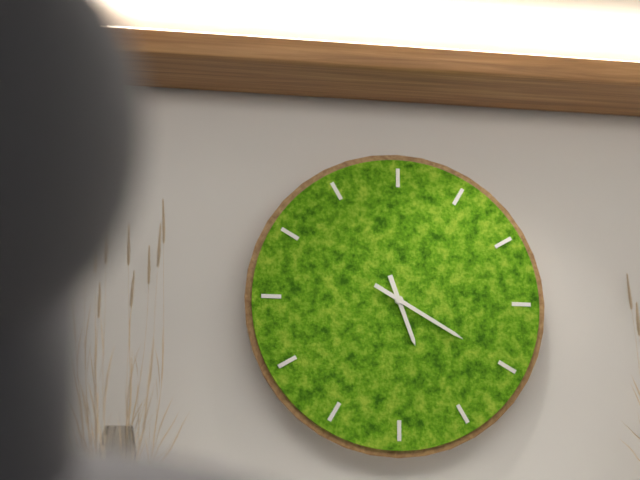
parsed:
5:20
